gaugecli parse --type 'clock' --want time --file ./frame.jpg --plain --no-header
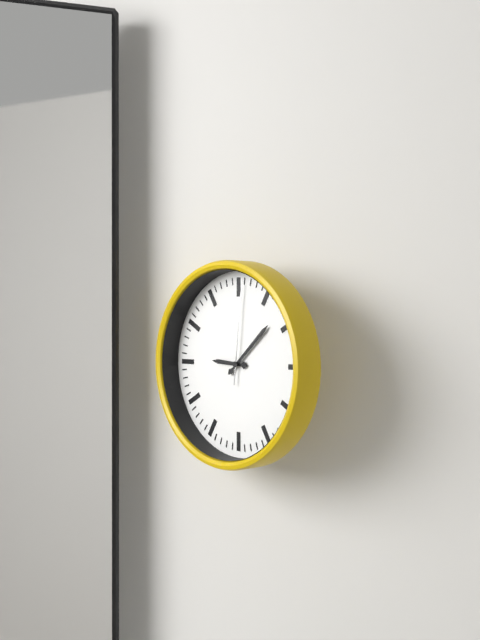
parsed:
9:08:01
